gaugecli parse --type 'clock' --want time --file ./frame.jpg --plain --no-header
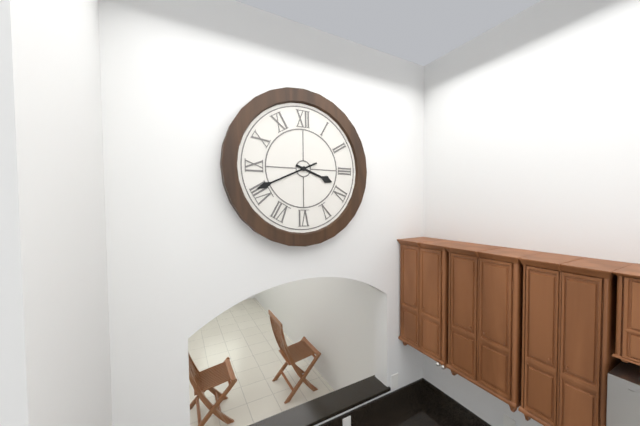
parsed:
3:41
